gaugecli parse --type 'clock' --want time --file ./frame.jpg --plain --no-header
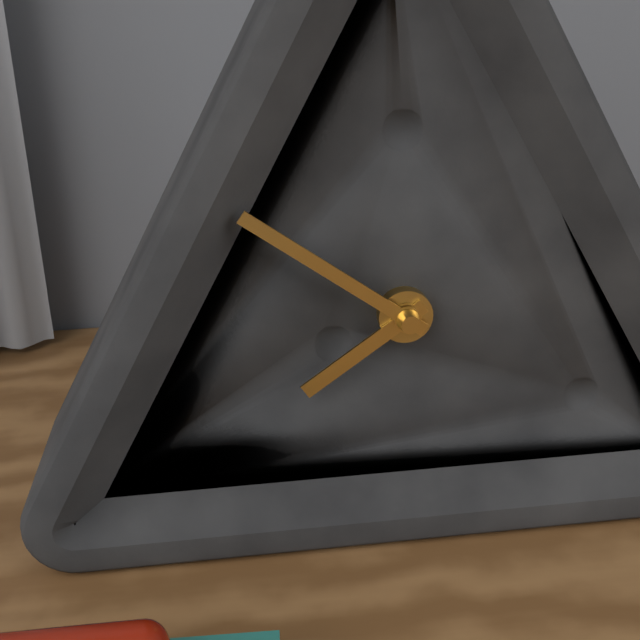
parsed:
7:51
